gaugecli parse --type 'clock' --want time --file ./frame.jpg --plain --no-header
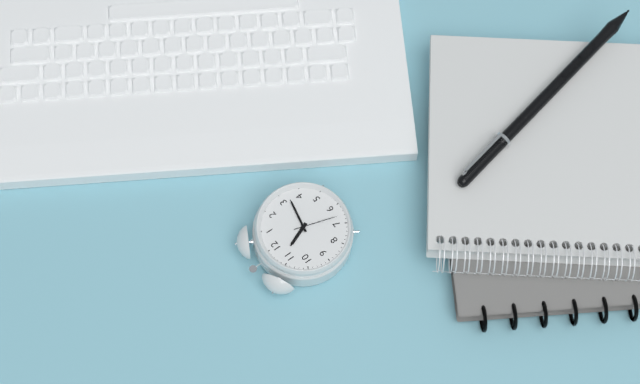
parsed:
11:17
